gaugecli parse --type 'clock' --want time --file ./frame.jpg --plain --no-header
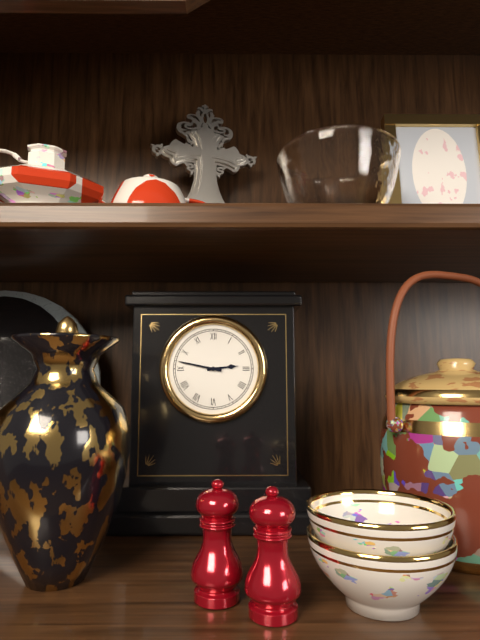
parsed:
2:47
